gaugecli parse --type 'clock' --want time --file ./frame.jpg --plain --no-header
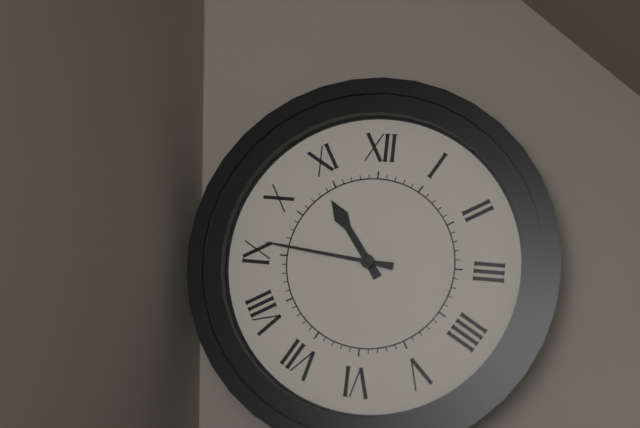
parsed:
10:46
